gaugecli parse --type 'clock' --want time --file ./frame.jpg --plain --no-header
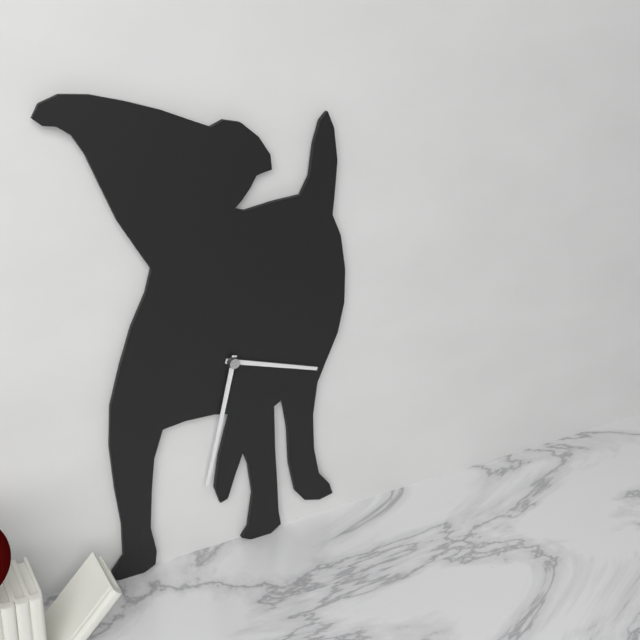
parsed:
3:32
